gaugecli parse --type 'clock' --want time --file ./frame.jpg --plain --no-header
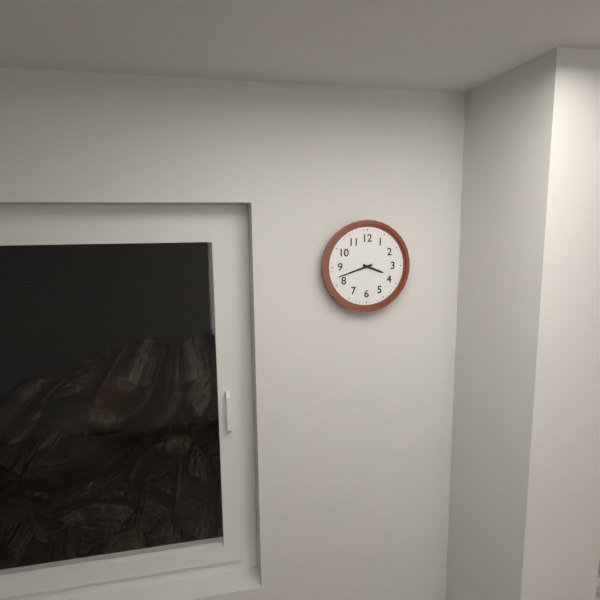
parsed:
3:42
